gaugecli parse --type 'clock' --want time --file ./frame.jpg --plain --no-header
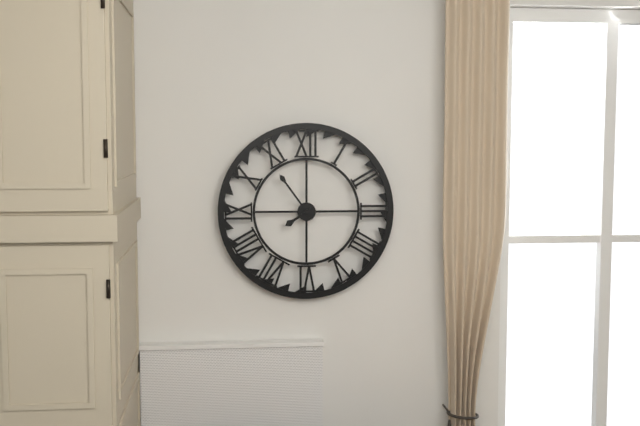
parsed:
7:54
